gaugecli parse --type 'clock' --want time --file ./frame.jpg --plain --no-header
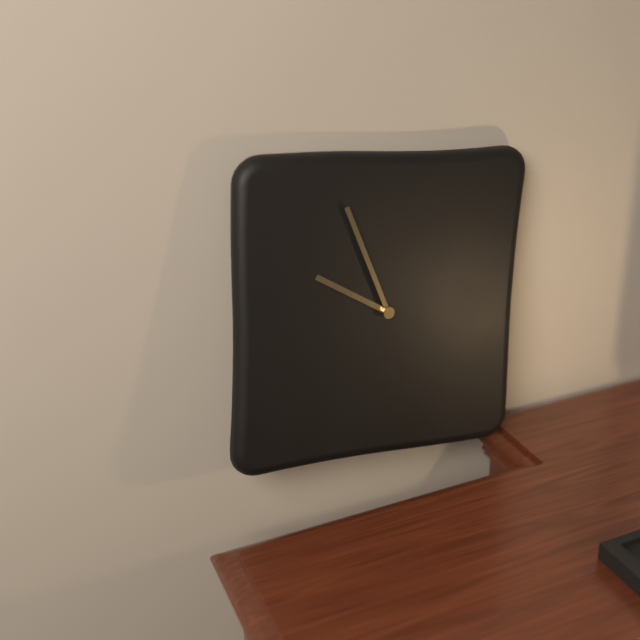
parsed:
9:56
